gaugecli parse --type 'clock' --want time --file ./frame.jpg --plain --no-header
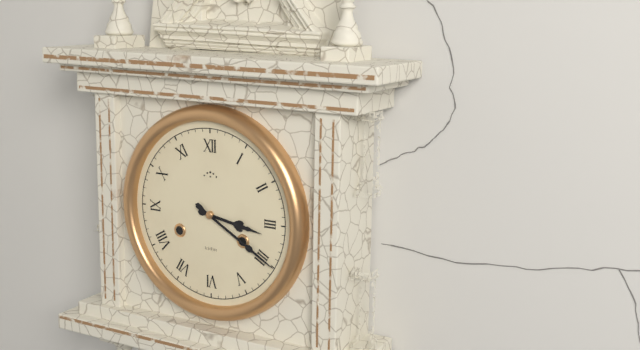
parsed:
3:20
